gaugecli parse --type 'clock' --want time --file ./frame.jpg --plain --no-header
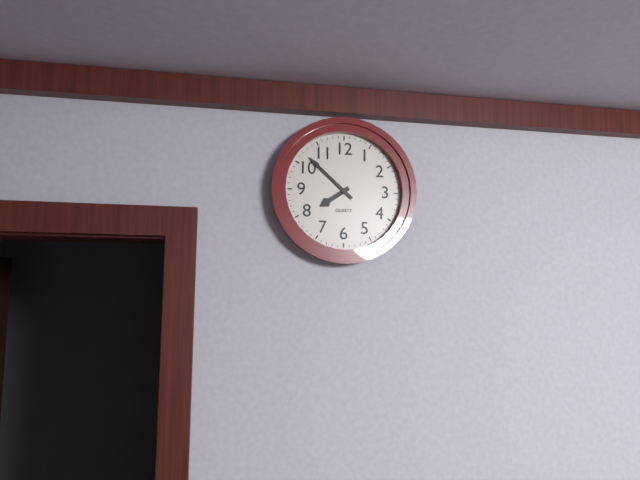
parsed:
7:52
